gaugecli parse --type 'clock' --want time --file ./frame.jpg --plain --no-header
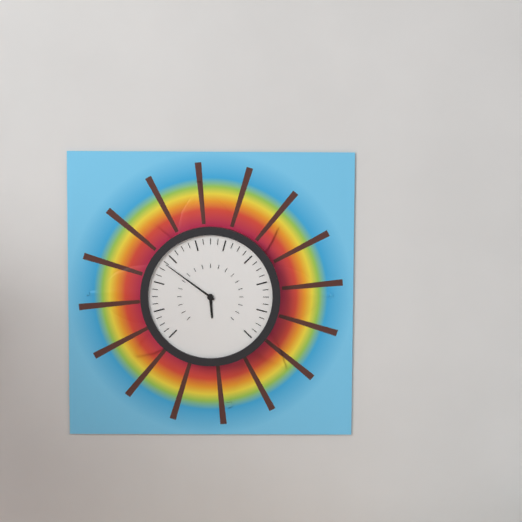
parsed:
5:51
